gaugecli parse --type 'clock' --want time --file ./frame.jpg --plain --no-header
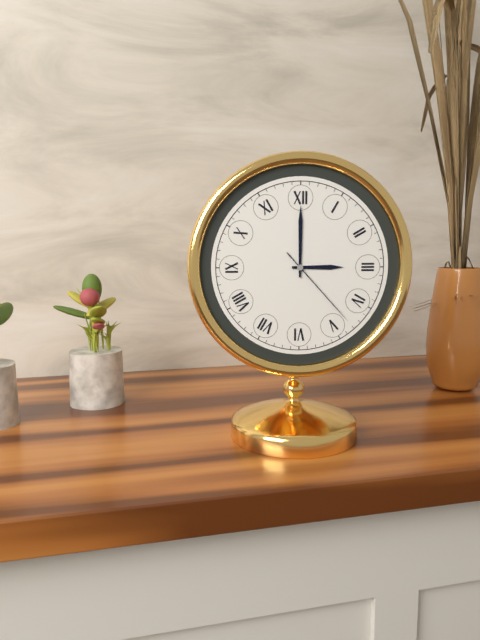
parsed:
3:00:23
